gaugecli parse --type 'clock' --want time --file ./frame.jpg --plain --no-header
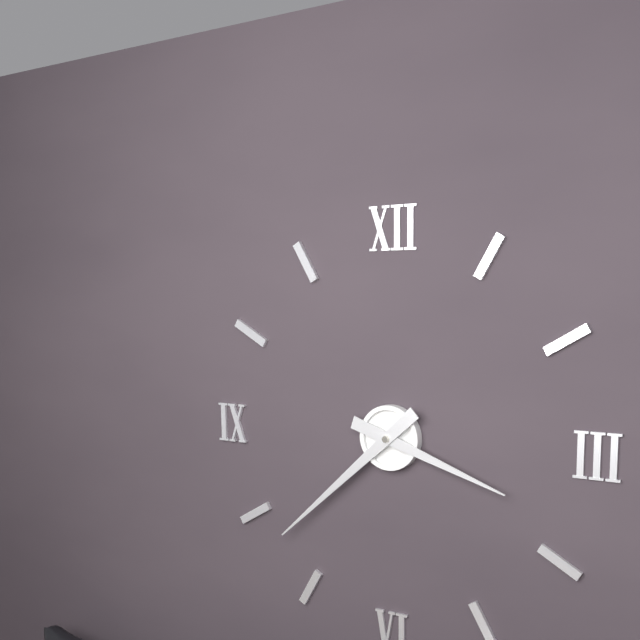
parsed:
3:38
